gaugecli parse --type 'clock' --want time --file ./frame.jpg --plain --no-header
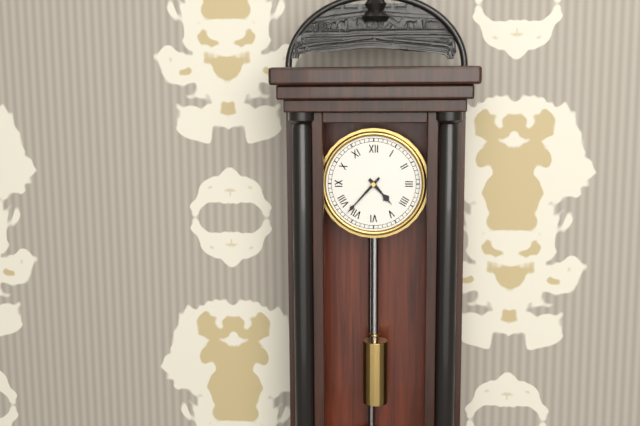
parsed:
4:37
